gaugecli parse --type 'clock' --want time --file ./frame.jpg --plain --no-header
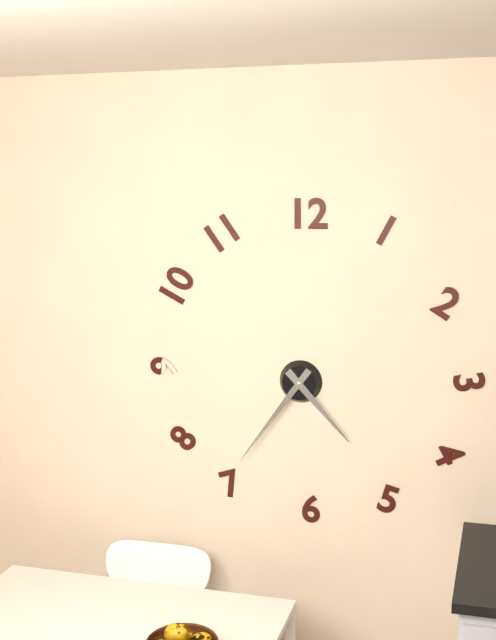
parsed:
4:36
